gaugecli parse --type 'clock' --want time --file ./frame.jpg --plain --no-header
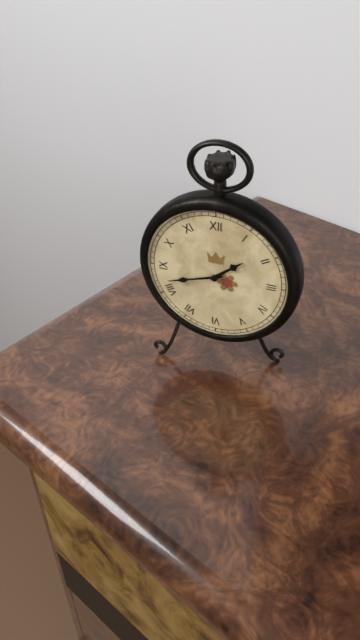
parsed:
1:42
